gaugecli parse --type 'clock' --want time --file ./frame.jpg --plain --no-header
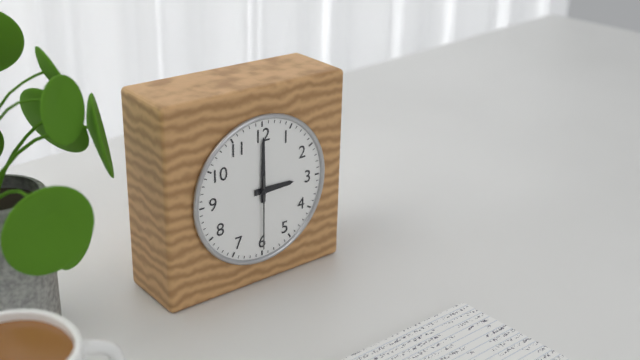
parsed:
3:00:30
